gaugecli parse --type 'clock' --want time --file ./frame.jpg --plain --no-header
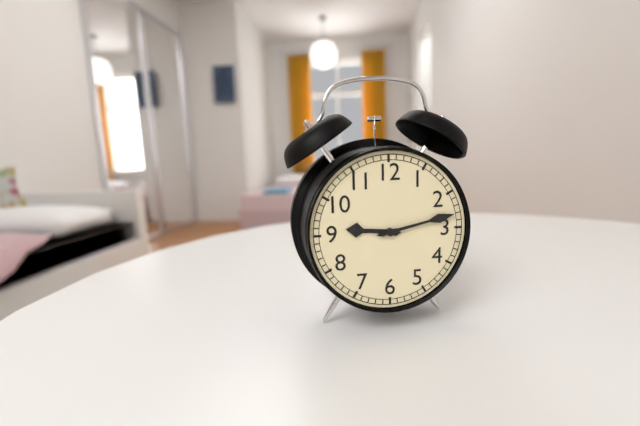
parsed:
9:13
